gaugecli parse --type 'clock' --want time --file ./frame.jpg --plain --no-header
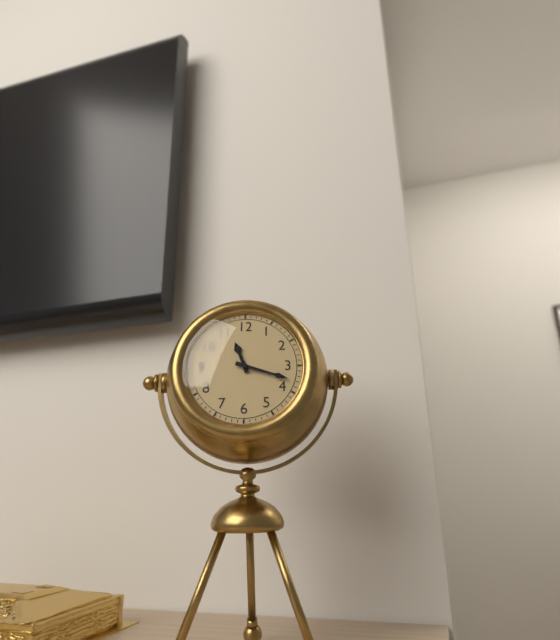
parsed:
11:18
